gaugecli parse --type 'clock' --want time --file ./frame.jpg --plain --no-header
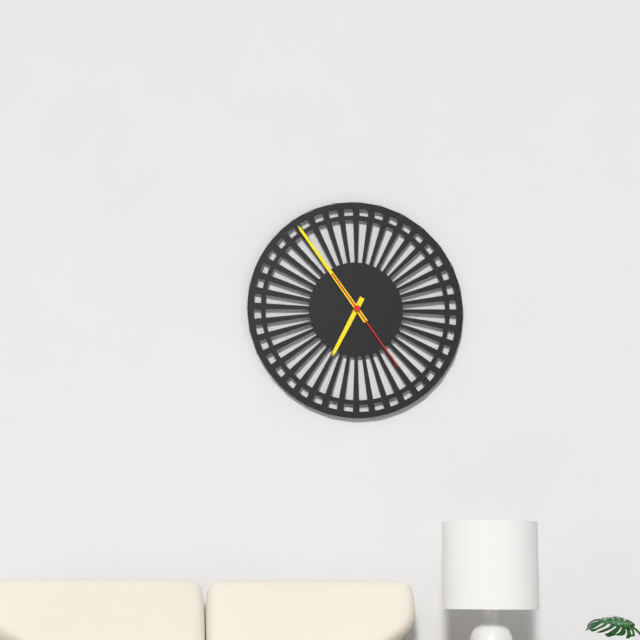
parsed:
6:54:24
